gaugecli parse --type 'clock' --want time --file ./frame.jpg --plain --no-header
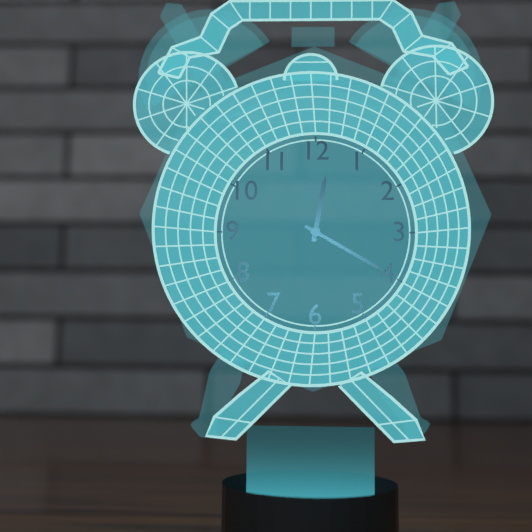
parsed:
12:20
